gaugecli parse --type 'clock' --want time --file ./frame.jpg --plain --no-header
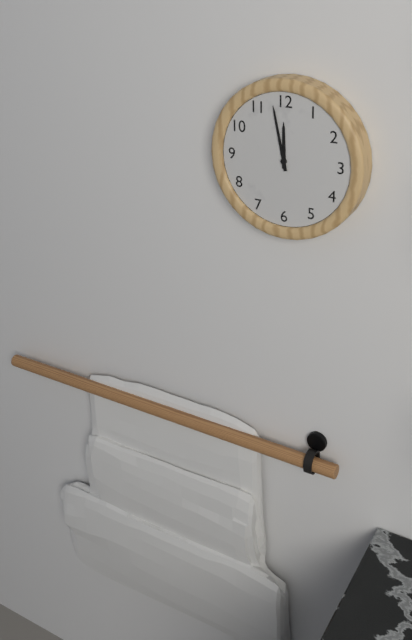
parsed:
11:58
